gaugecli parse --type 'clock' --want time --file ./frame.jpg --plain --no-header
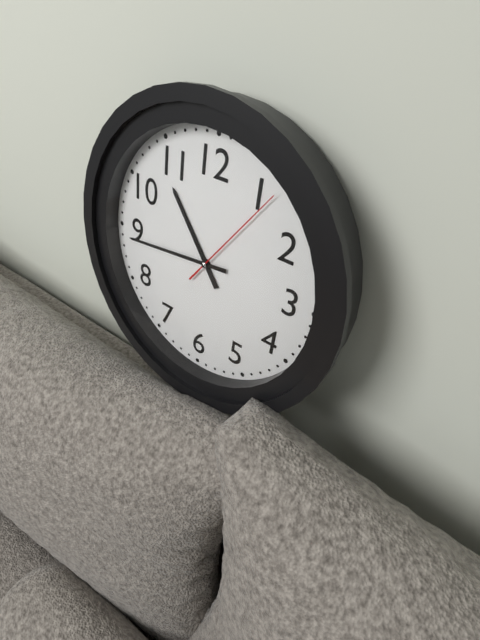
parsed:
10:44:06
